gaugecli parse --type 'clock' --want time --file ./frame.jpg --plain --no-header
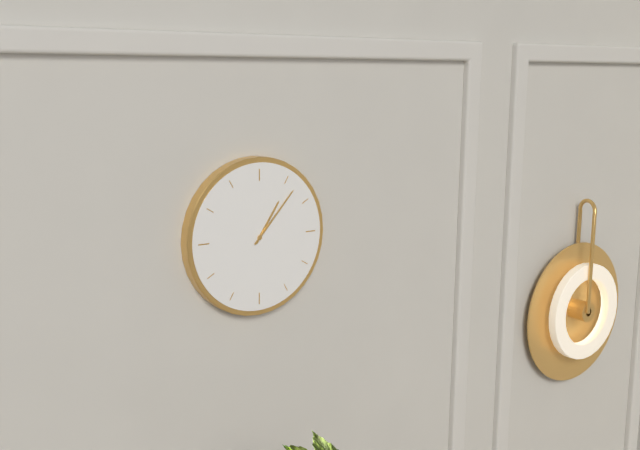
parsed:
1:07
